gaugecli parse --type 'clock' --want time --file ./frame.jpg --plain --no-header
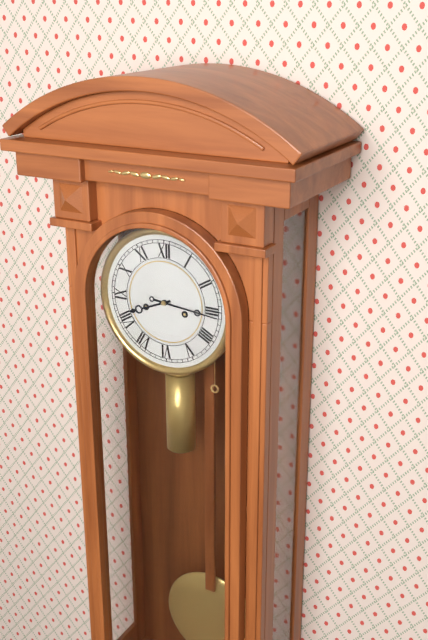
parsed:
8:16
